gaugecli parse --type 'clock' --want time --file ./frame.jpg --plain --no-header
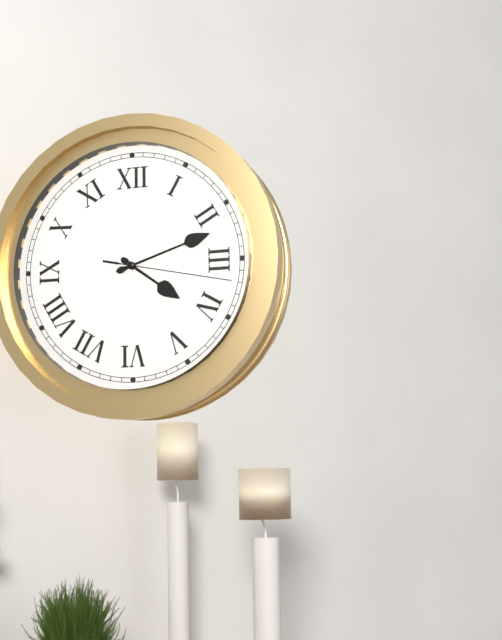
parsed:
4:12:17
